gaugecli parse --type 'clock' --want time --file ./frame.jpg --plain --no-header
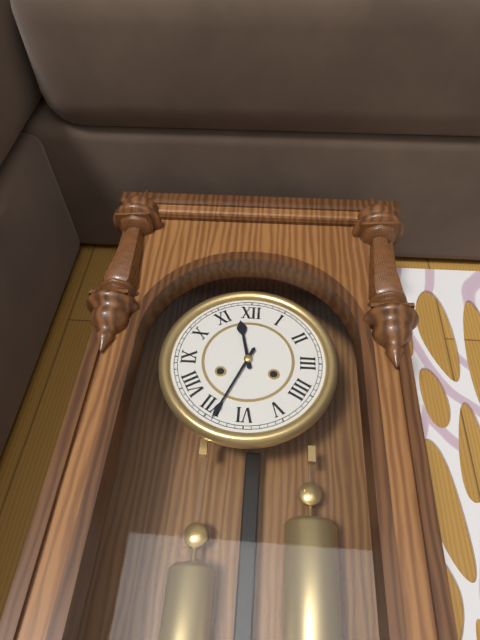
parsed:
11:34
